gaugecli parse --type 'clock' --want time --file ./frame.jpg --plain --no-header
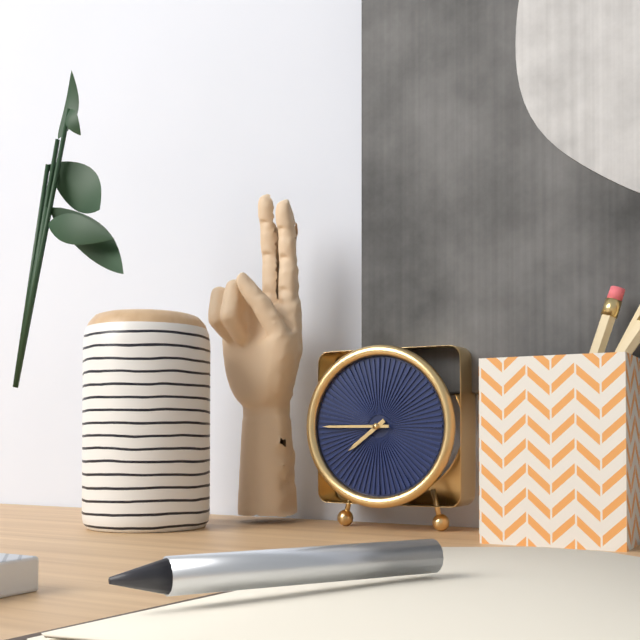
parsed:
7:45
